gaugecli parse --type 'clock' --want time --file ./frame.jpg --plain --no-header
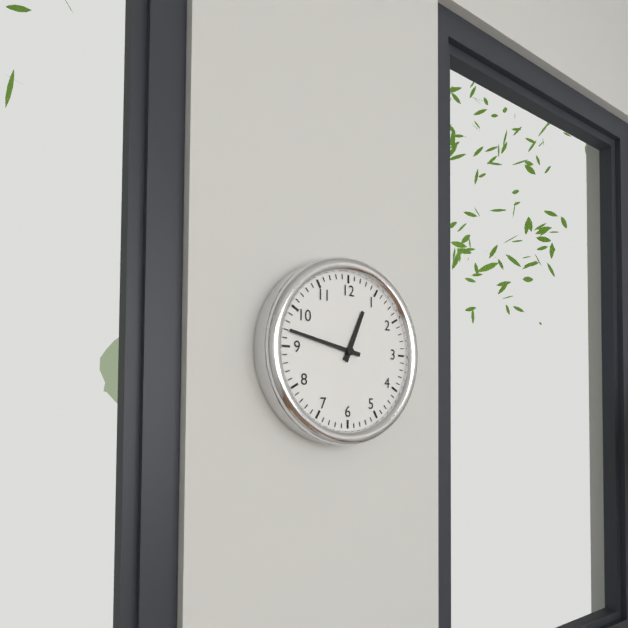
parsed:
12:47
